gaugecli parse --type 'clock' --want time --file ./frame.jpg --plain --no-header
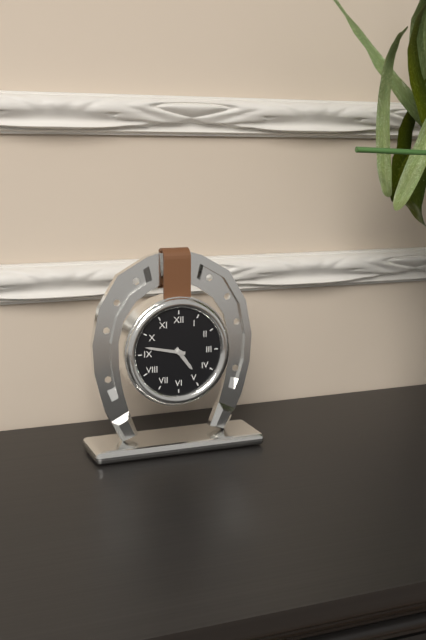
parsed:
4:47
